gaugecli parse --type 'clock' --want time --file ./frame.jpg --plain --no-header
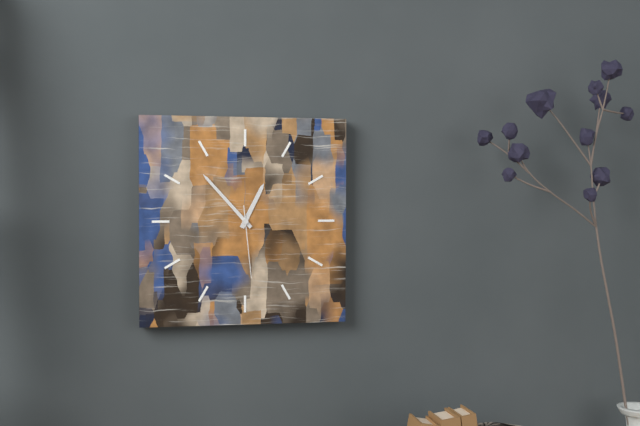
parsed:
12:53:29
